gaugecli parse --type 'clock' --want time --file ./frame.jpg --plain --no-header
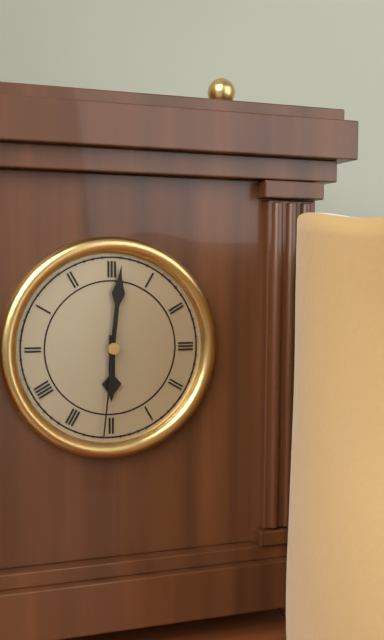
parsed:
6:01:31
